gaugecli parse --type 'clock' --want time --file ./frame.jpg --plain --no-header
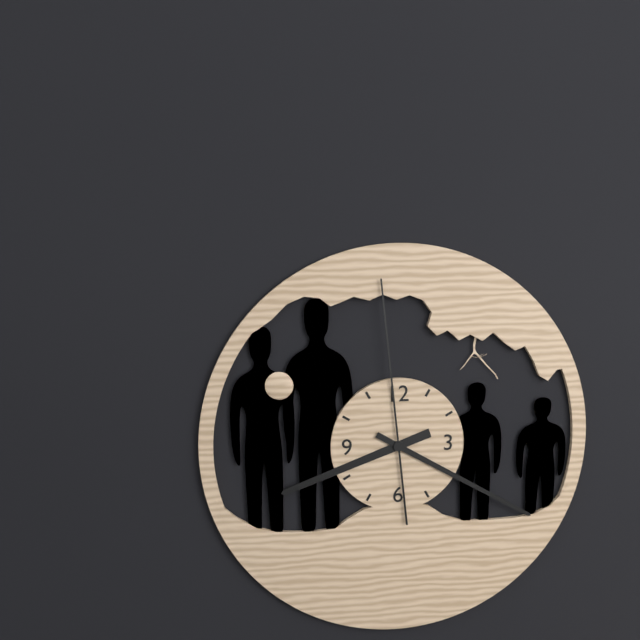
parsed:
8:20:59
